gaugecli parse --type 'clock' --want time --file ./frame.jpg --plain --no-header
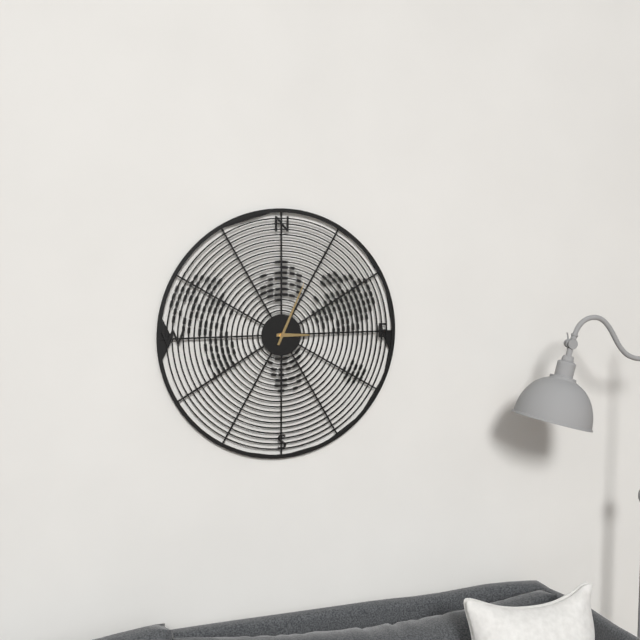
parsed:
3:04
